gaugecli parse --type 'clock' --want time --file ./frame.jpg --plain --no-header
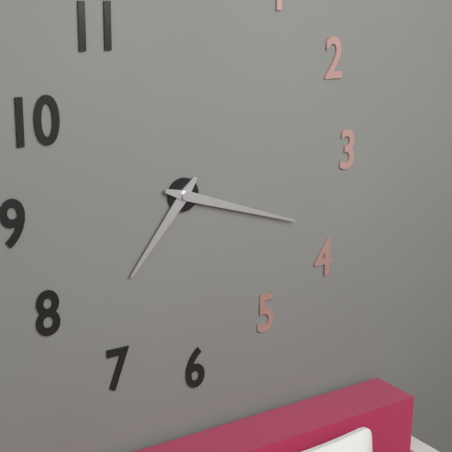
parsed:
7:18
